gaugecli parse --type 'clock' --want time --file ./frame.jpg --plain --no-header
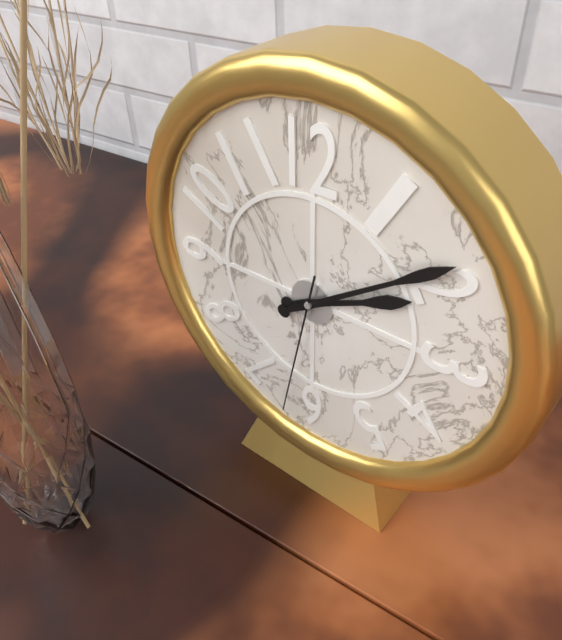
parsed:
2:09:32
